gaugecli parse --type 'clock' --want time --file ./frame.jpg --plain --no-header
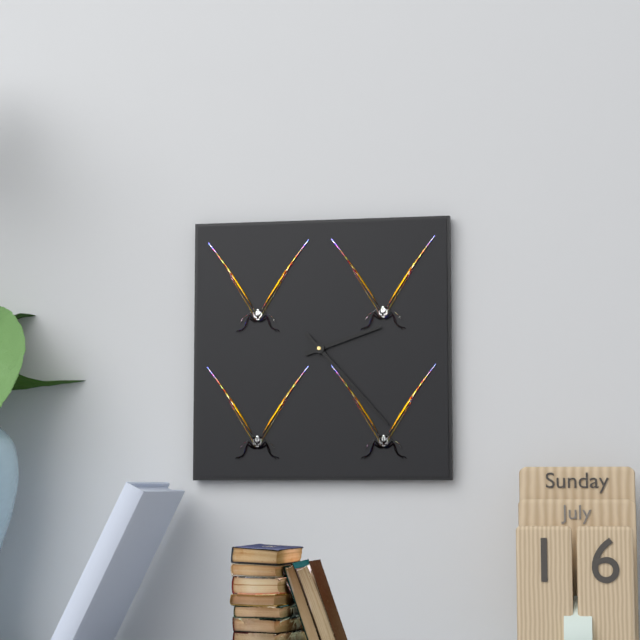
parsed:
2:23
